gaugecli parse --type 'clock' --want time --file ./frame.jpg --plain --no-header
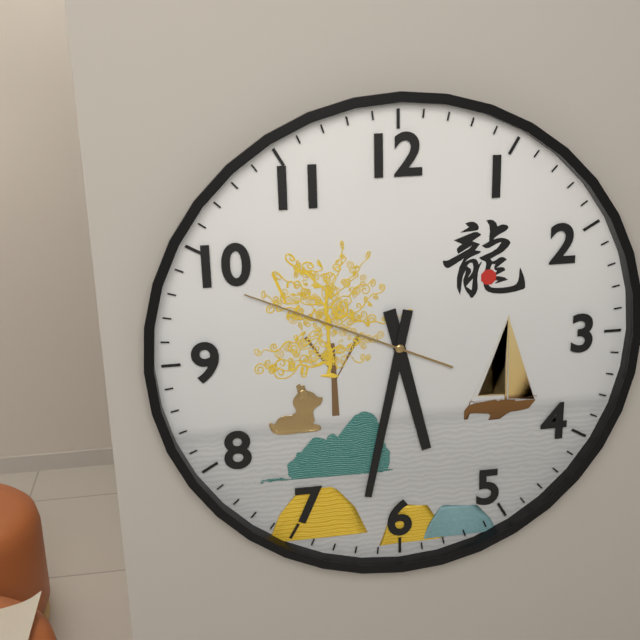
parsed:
5:32:49
